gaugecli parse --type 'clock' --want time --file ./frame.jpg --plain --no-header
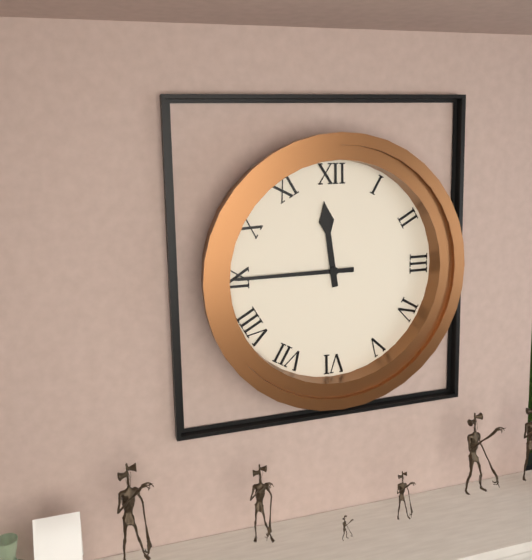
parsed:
11:45
